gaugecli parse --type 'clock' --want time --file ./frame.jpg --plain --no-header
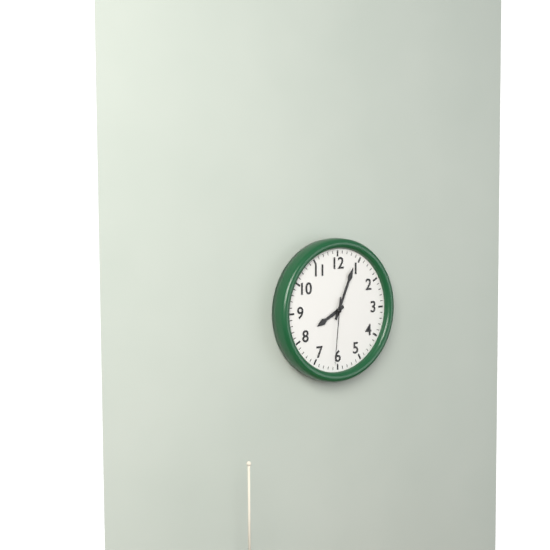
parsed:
8:04:31
